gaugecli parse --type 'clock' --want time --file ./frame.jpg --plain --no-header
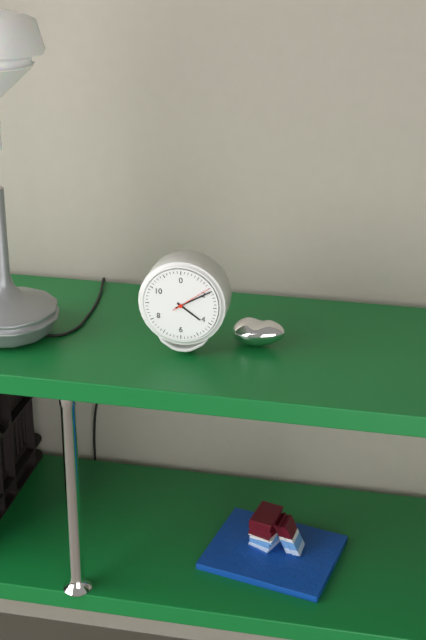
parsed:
4:10
